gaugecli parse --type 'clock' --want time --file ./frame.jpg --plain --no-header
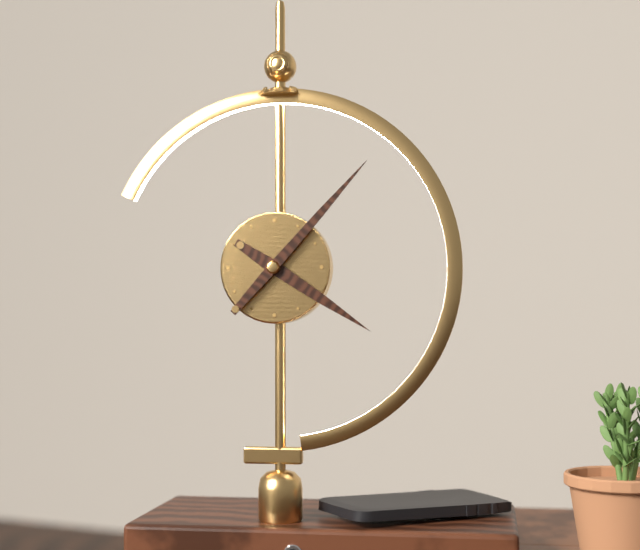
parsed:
4:07
